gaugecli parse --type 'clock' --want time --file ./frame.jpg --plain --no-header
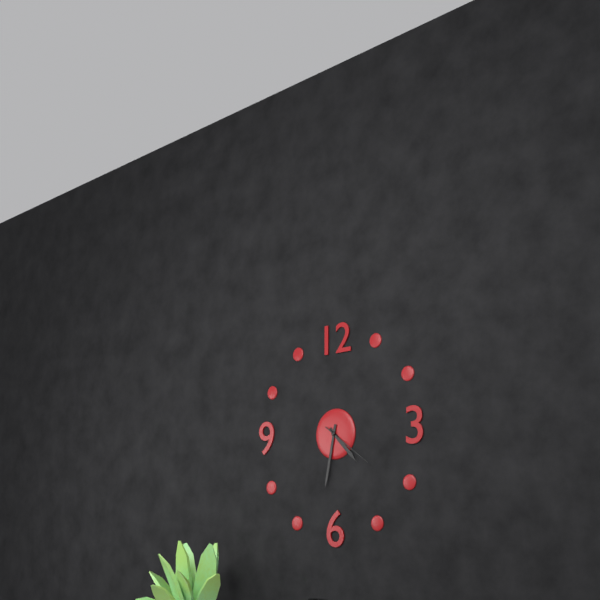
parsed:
4:32:21
